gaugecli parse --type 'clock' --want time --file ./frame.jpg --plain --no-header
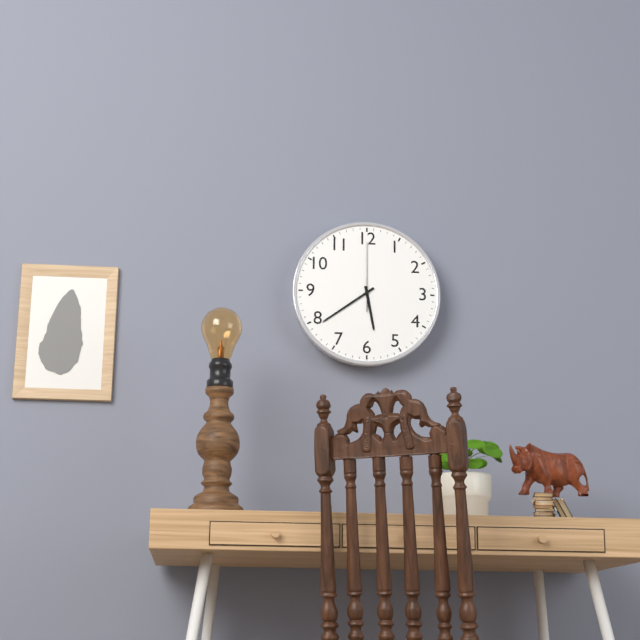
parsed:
5:39:00
